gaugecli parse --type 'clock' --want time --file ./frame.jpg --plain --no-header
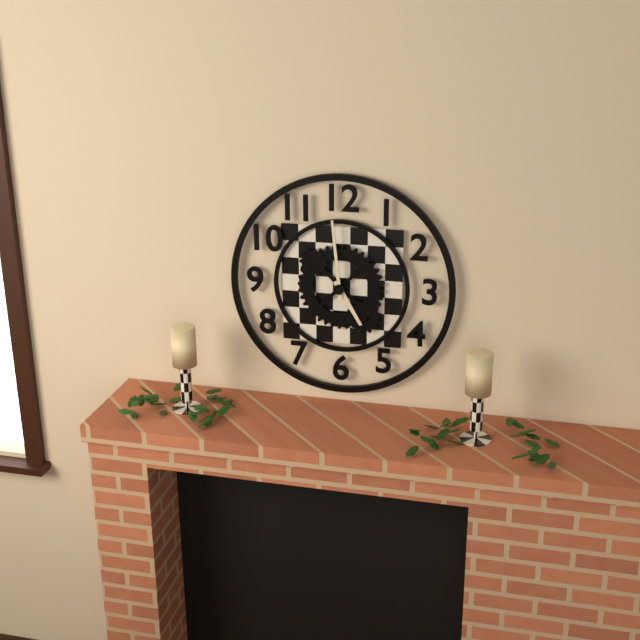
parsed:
4:59
